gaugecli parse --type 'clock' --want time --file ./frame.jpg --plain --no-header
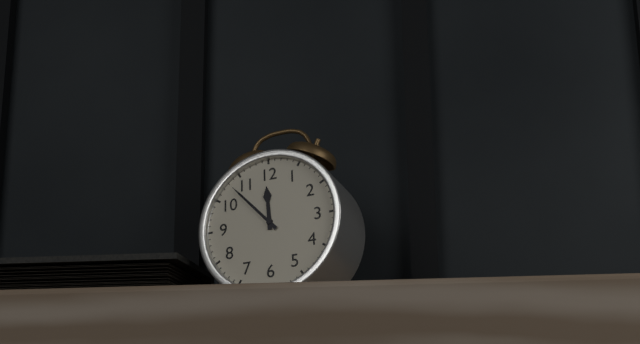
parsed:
11:53
